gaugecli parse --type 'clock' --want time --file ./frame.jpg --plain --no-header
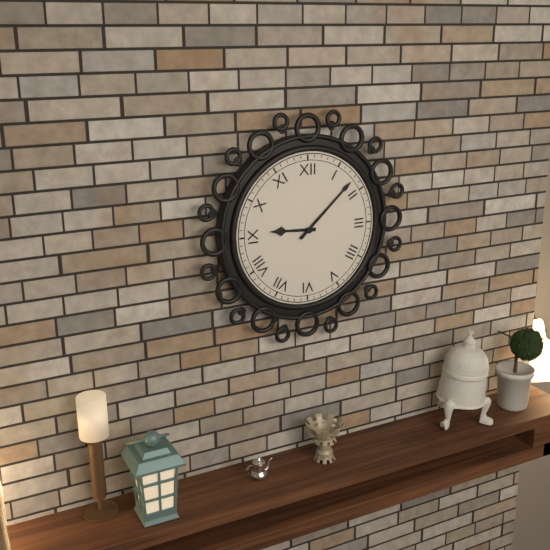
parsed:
9:08
